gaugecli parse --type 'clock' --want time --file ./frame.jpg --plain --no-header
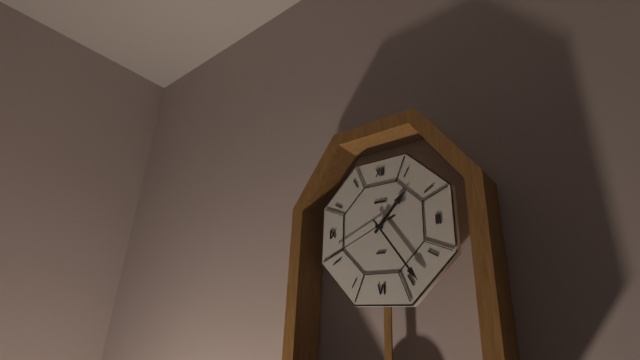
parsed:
1:24:41
